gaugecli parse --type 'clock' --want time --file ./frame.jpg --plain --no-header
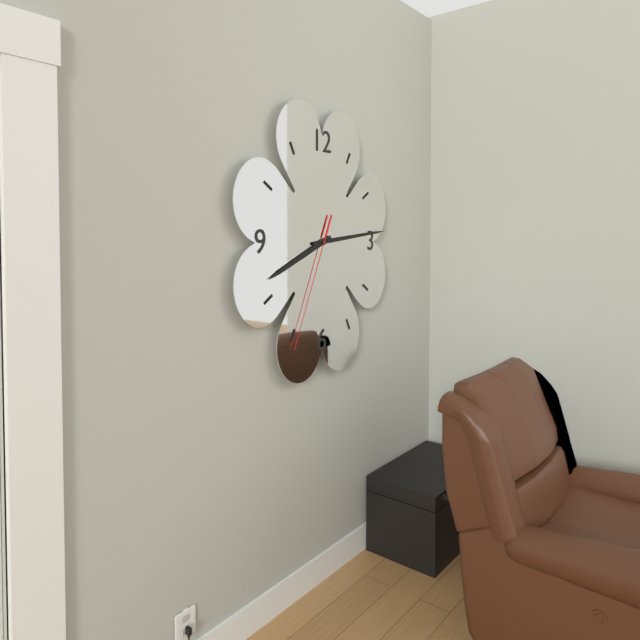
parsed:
8:14:34
